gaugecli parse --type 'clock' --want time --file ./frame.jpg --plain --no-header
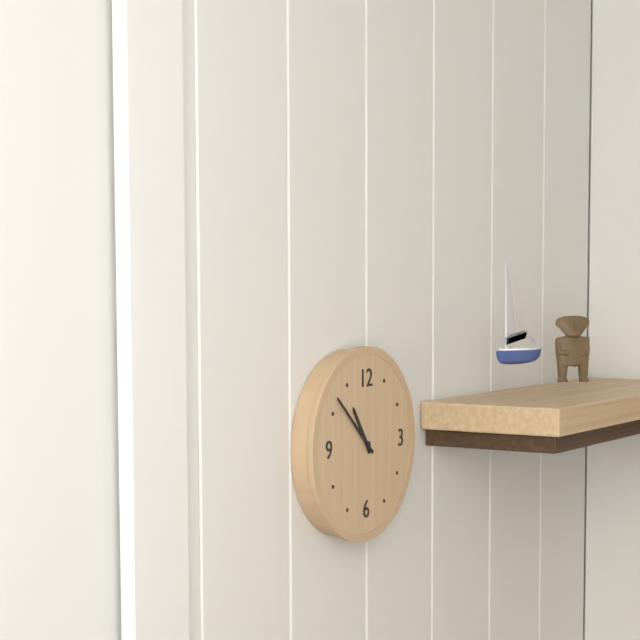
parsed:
10:52
